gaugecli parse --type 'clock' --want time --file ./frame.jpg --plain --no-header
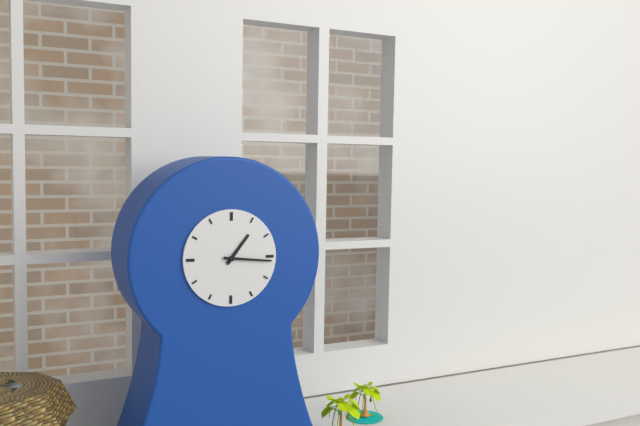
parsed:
1:16
